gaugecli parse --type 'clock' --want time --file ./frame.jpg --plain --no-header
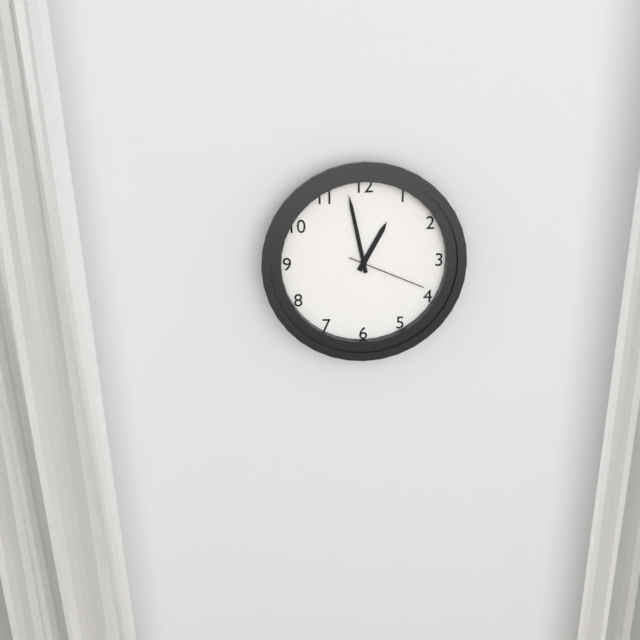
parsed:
12:58:19
